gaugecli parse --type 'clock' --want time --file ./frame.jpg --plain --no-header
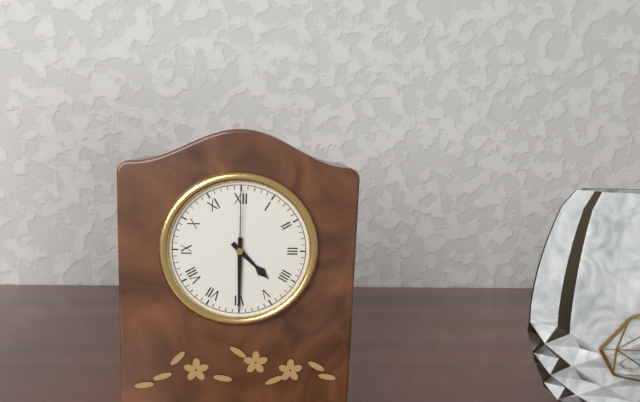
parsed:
4:30:00
